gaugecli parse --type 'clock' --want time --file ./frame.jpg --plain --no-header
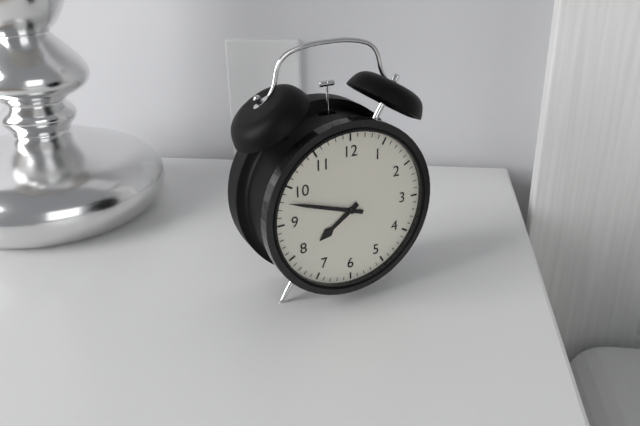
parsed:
7:48
